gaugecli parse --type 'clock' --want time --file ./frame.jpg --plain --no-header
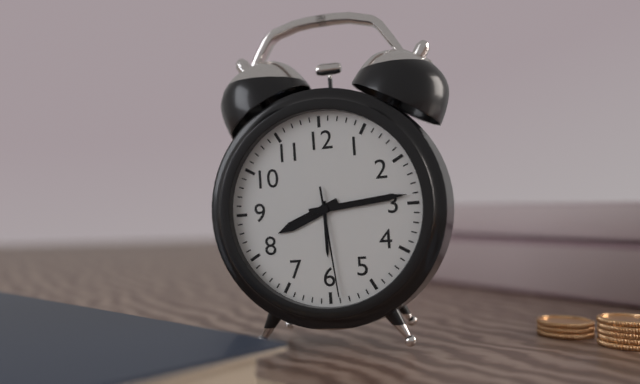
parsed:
8:14:29
